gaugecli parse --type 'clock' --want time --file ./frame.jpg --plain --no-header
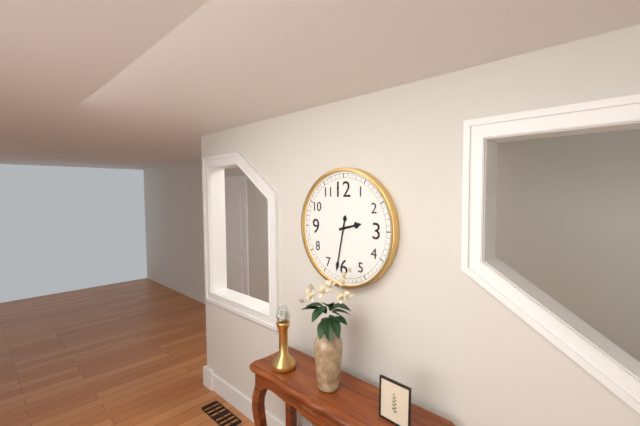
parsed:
2:32
